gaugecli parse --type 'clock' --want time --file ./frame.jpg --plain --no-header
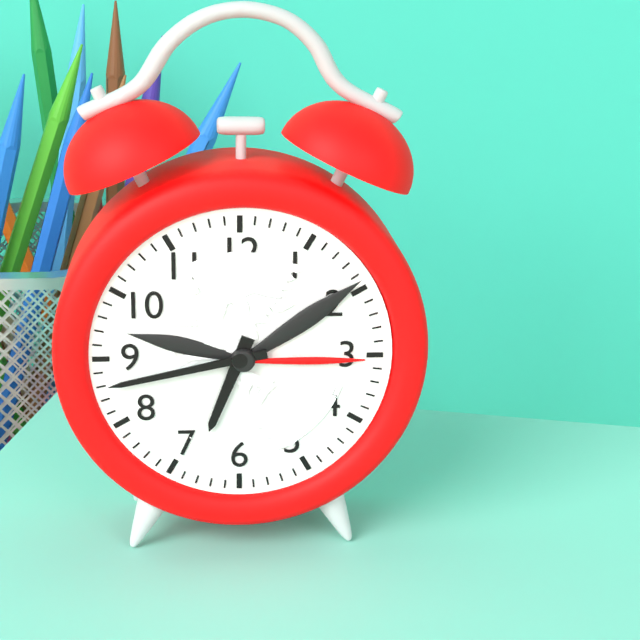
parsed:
6:43
